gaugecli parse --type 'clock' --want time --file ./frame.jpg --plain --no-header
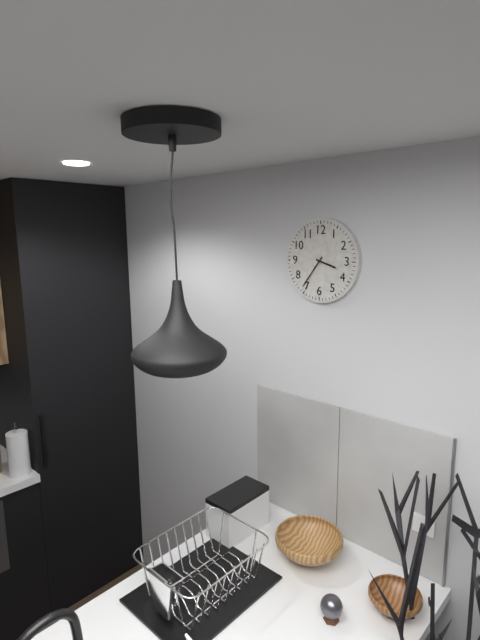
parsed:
3:36
